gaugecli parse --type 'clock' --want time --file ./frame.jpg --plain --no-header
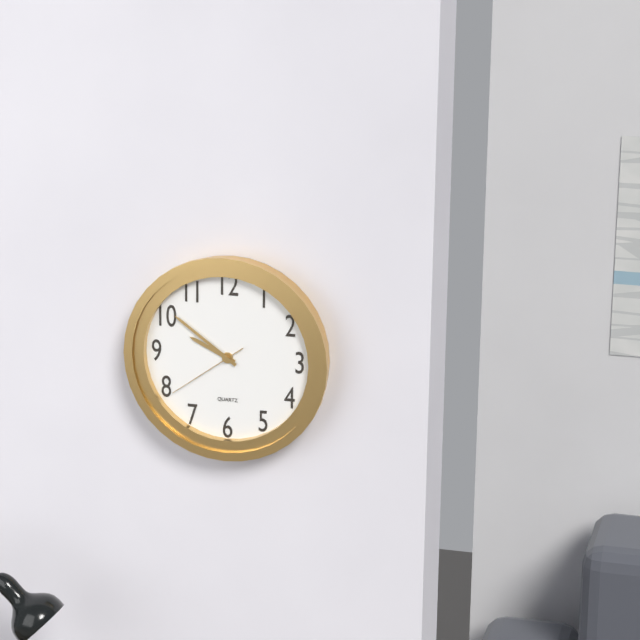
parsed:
9:51:39
